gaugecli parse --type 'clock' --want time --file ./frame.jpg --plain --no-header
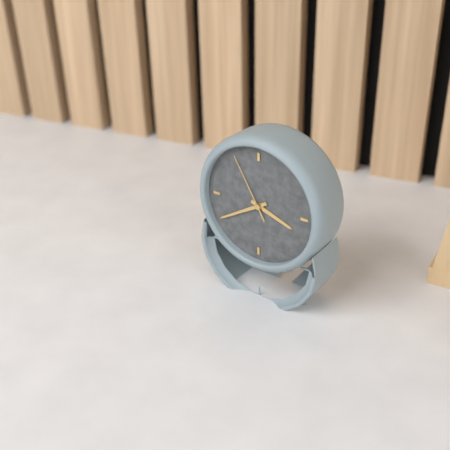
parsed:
3:40:55
